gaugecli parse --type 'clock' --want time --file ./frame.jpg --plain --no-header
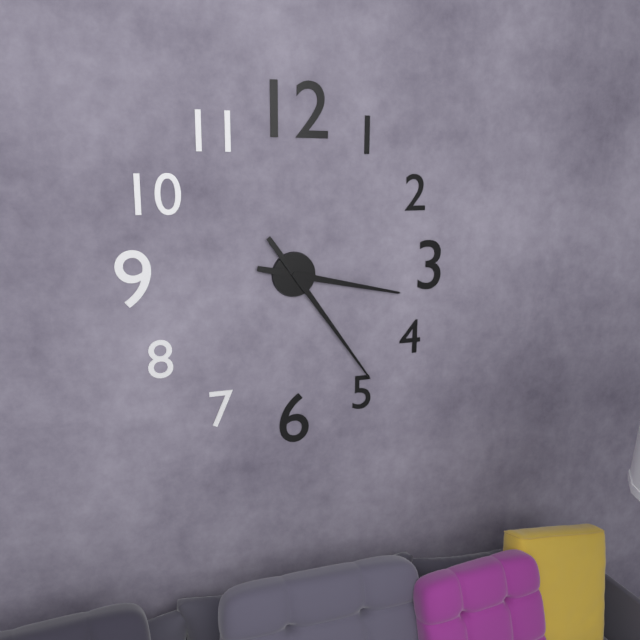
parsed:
3:24
